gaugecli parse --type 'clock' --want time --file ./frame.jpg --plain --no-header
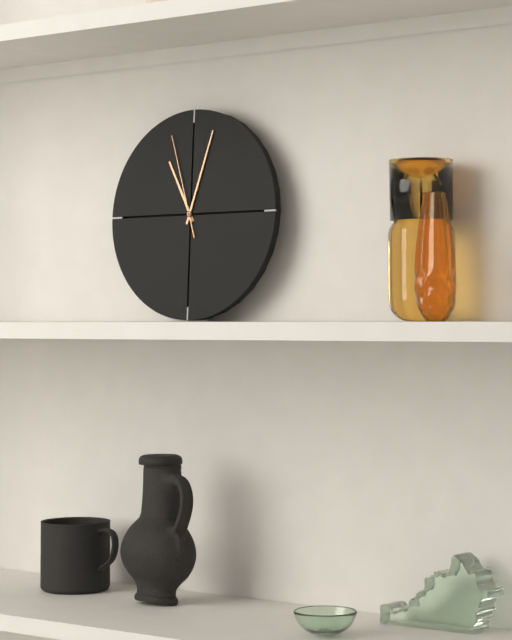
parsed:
11:03:57
